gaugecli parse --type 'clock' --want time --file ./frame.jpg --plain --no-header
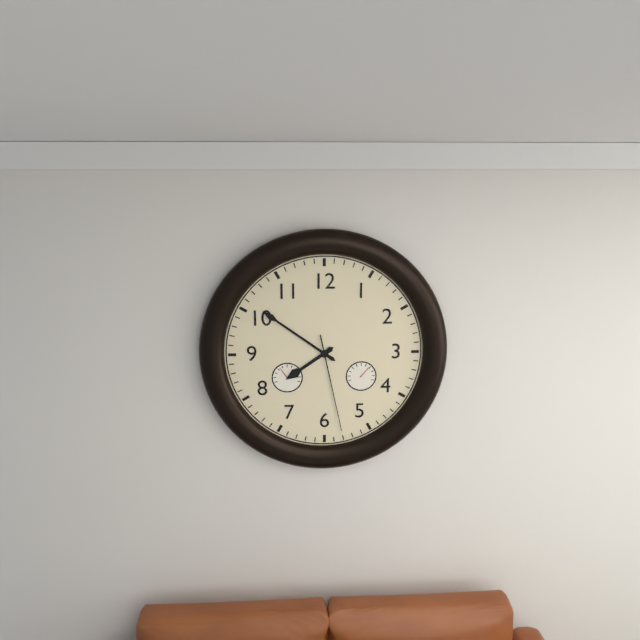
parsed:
7:51:28
